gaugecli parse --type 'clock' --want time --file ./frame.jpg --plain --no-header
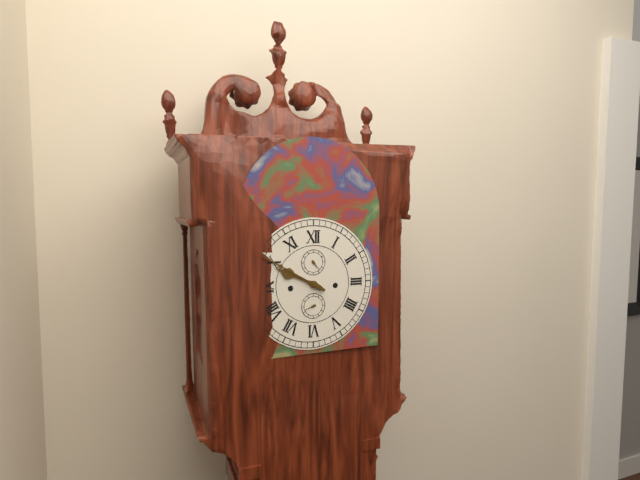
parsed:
9:50
